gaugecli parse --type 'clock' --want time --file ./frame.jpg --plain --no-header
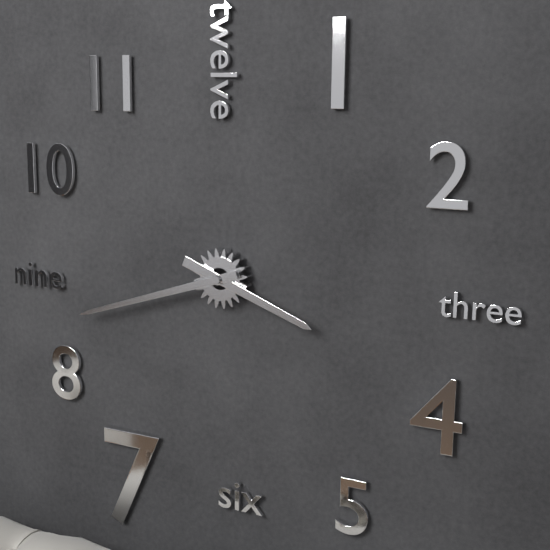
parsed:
3:42
